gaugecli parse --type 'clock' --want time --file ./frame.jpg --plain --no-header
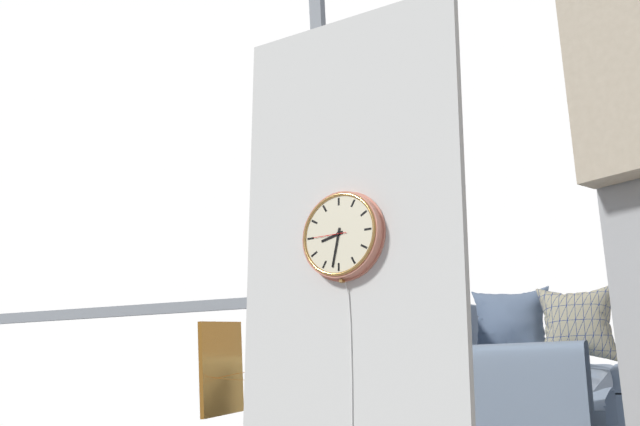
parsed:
8:32
